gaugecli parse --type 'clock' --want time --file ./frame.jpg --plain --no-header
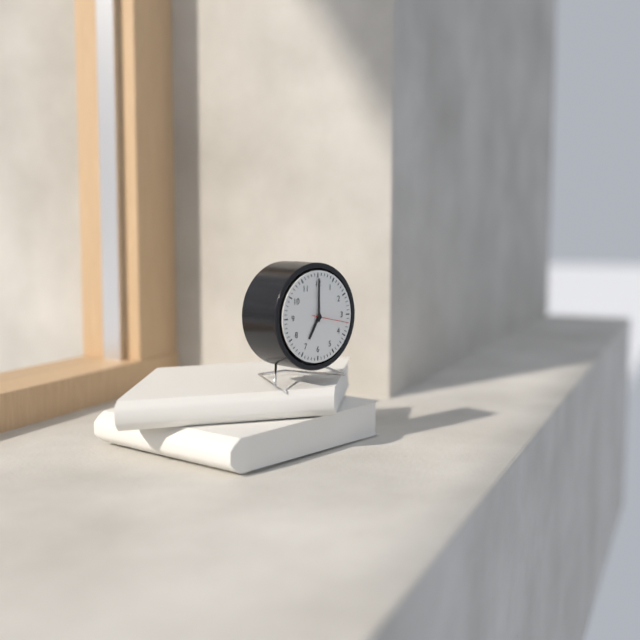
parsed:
7:00:17
